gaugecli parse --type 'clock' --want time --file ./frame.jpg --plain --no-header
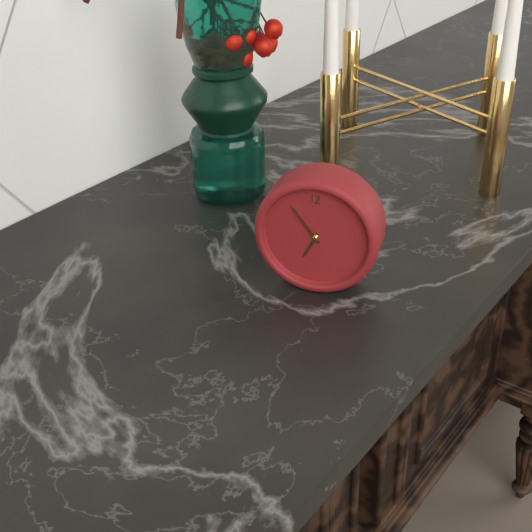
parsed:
6:54
